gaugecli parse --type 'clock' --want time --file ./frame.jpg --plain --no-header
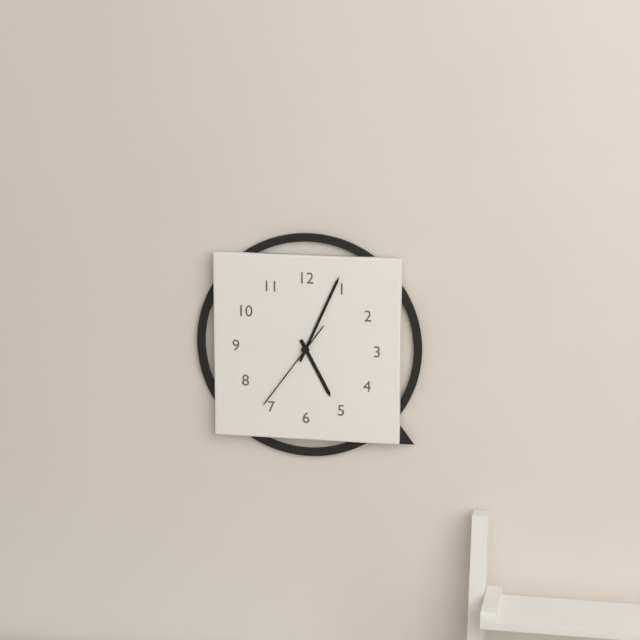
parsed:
5:04:36
